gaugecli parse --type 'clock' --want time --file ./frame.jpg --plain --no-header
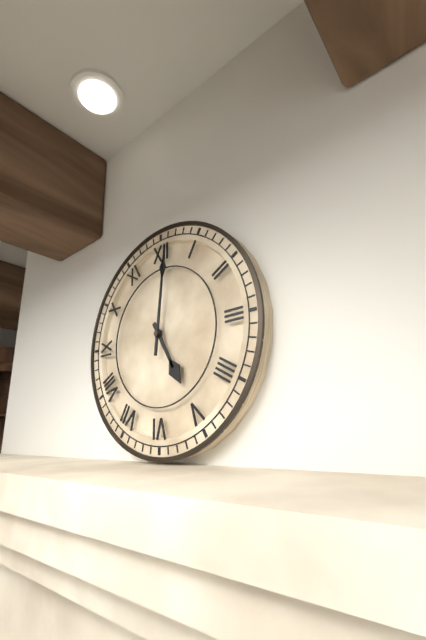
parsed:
5:01
